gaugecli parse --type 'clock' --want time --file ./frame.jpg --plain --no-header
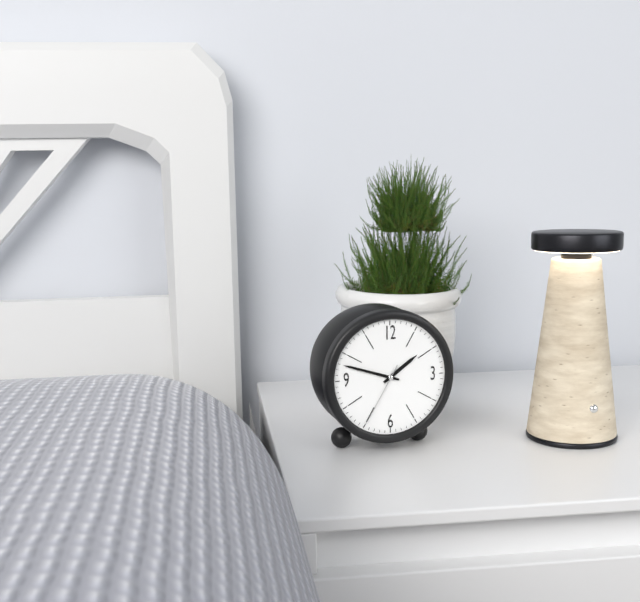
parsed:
1:48:35
